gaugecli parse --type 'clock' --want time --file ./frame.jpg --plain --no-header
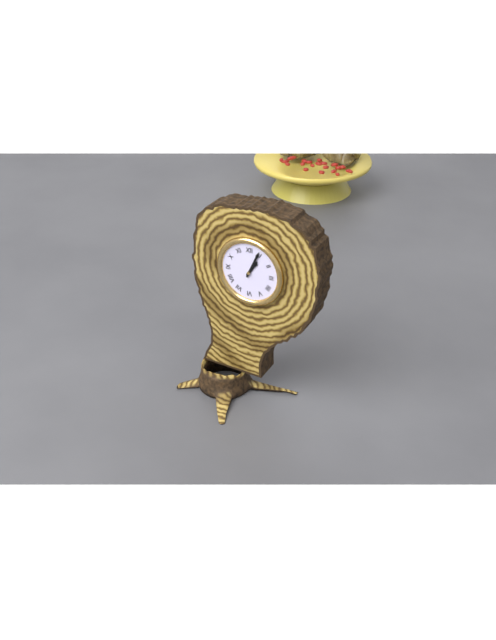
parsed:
1:04
